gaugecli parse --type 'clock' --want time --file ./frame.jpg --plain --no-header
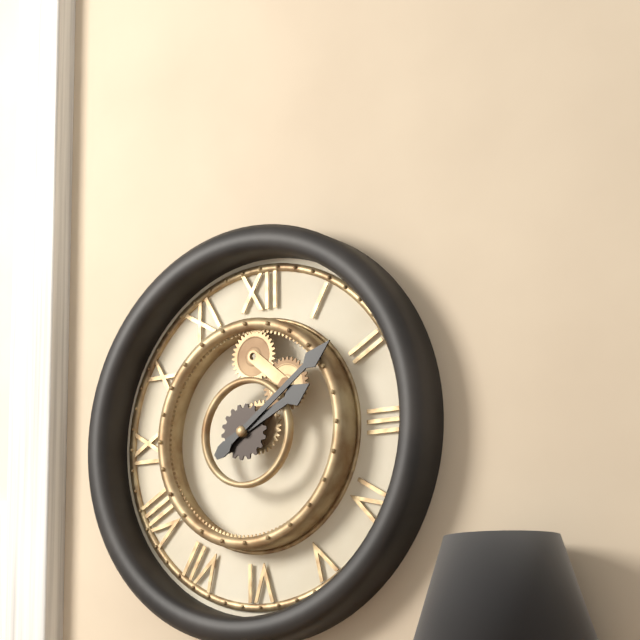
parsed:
2:09
